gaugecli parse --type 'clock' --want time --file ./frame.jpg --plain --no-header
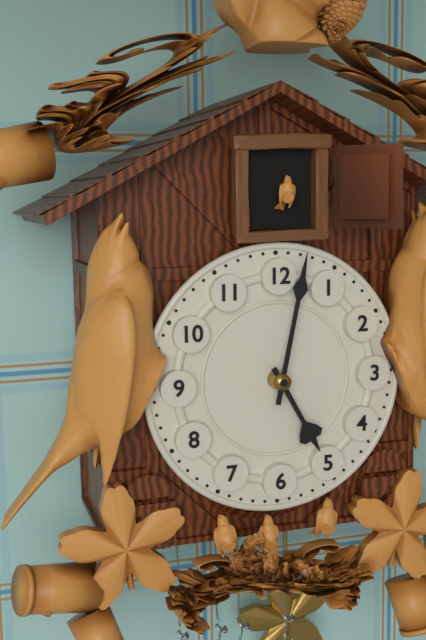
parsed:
5:02
